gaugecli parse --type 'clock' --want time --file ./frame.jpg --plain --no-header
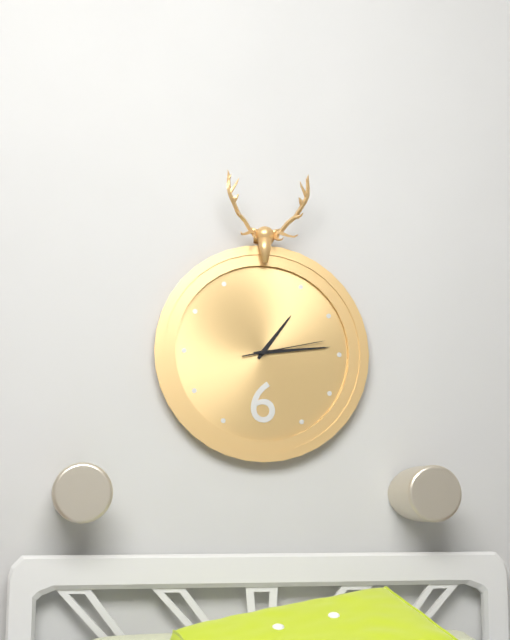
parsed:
1:14:13
